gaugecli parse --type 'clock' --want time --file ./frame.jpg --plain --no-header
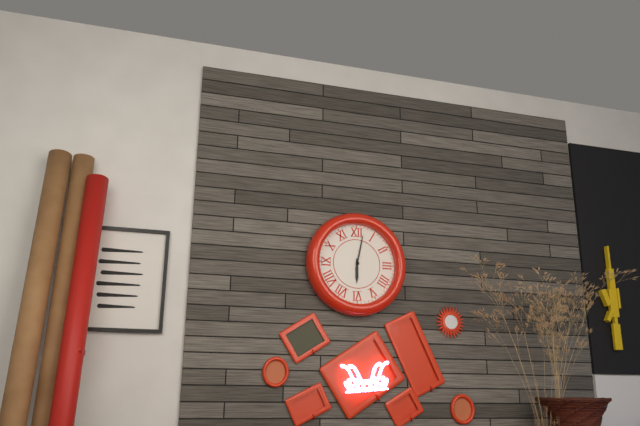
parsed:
6:02
